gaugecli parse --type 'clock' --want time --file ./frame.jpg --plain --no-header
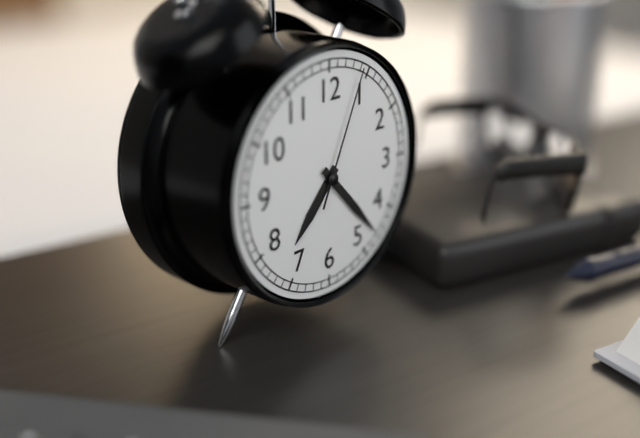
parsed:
7:23:04
